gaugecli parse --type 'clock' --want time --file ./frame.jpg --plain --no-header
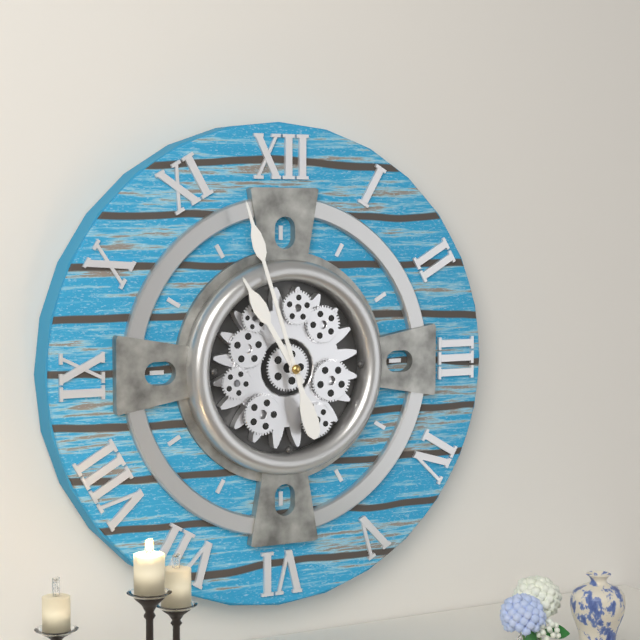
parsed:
10:57
